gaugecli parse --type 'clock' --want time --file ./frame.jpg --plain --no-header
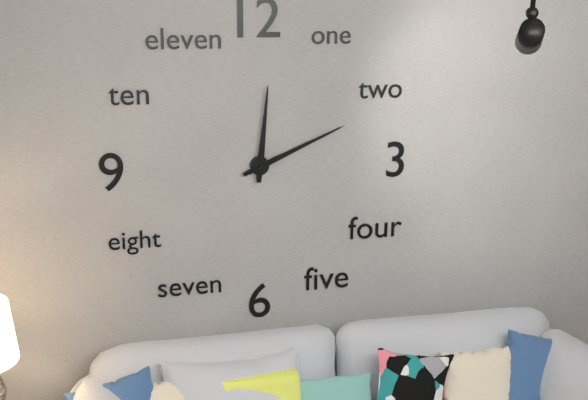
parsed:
12:11
